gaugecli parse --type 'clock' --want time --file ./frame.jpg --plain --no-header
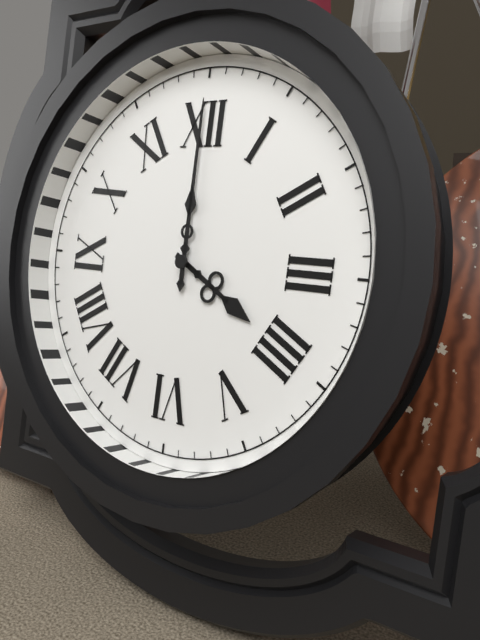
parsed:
4:00
